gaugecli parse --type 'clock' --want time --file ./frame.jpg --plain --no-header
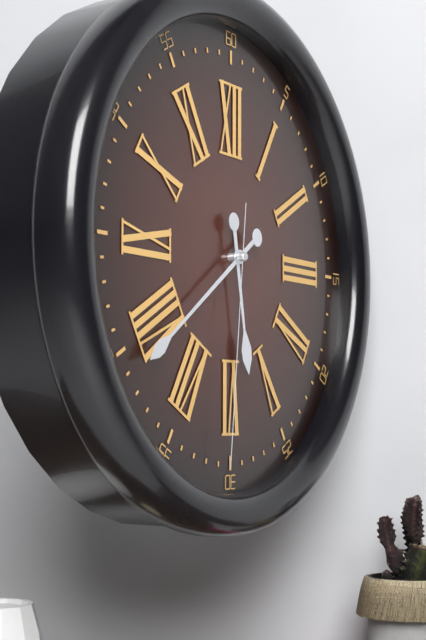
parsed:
5:39:31
